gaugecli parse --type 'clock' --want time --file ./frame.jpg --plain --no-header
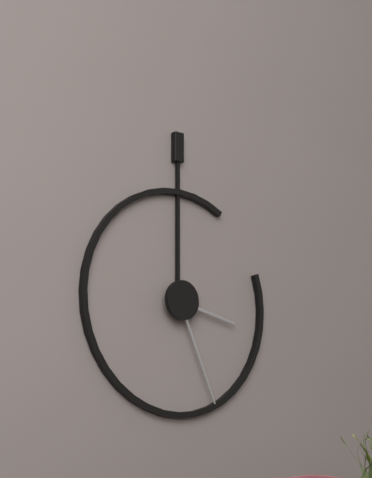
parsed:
3:26
